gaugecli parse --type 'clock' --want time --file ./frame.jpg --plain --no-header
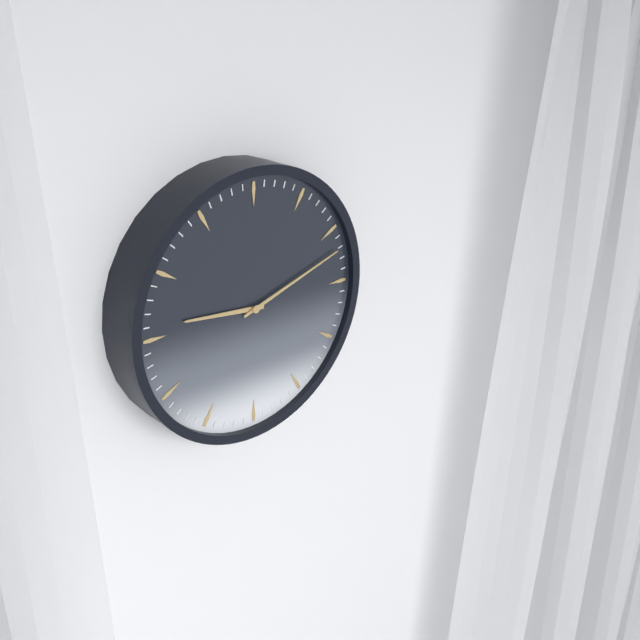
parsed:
9:12
